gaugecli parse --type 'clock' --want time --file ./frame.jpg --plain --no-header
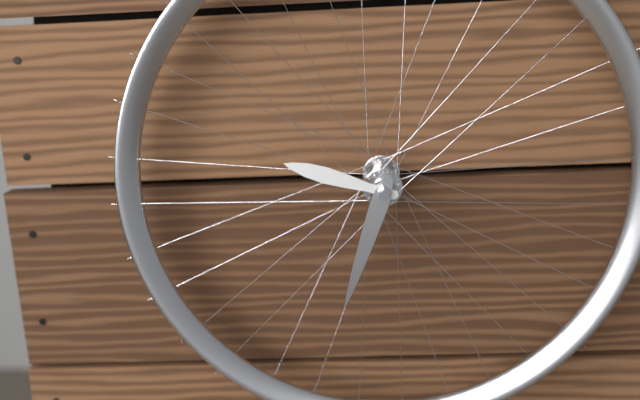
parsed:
9:33
